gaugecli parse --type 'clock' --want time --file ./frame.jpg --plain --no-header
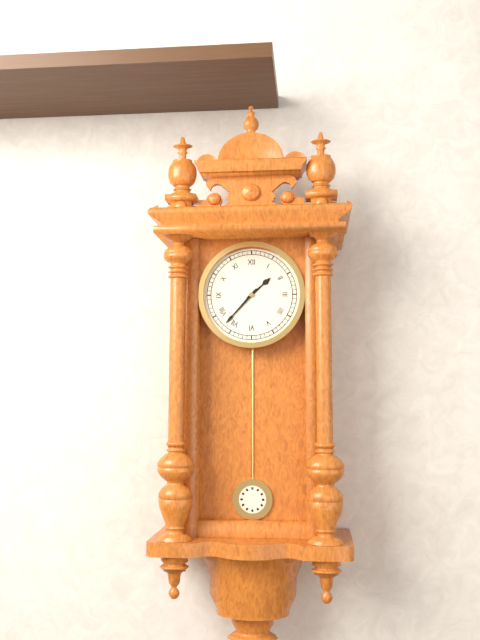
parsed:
1:37
